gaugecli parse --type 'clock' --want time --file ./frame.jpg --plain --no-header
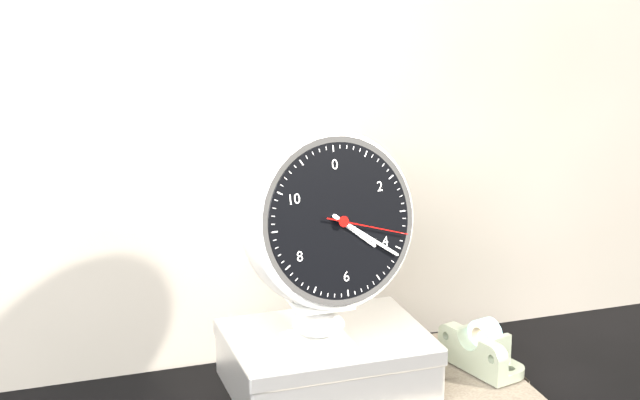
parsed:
4:21:18
